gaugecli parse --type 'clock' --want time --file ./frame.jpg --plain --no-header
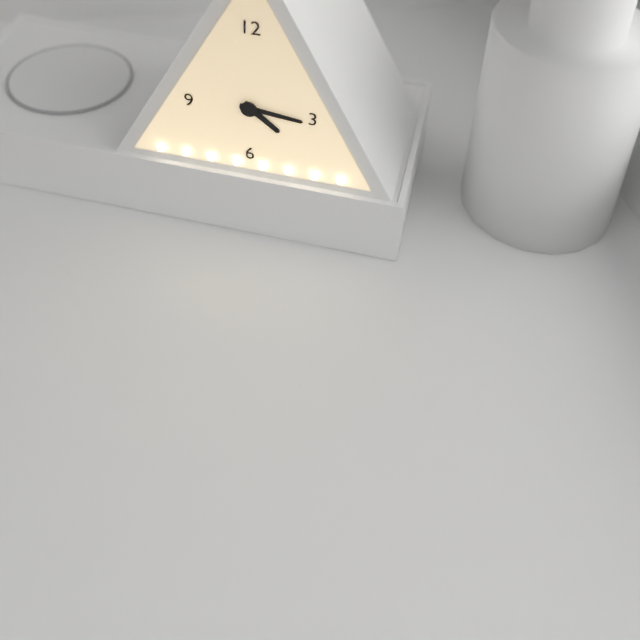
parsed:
4:16
